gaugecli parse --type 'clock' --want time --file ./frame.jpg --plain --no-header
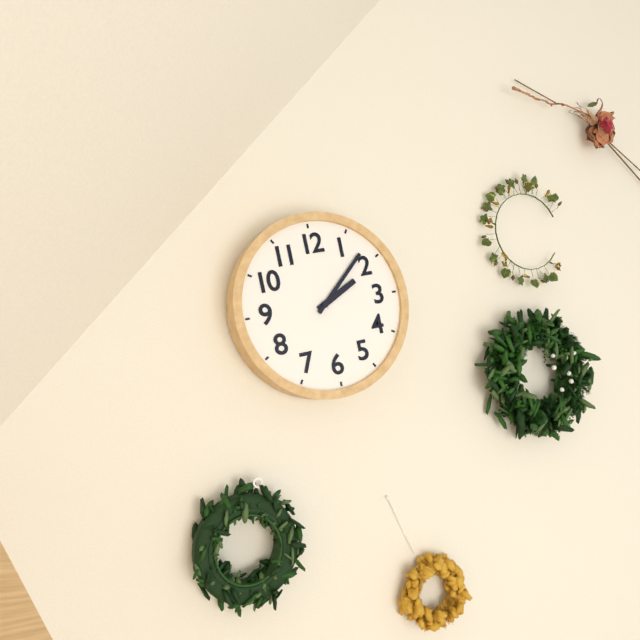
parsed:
2:08
